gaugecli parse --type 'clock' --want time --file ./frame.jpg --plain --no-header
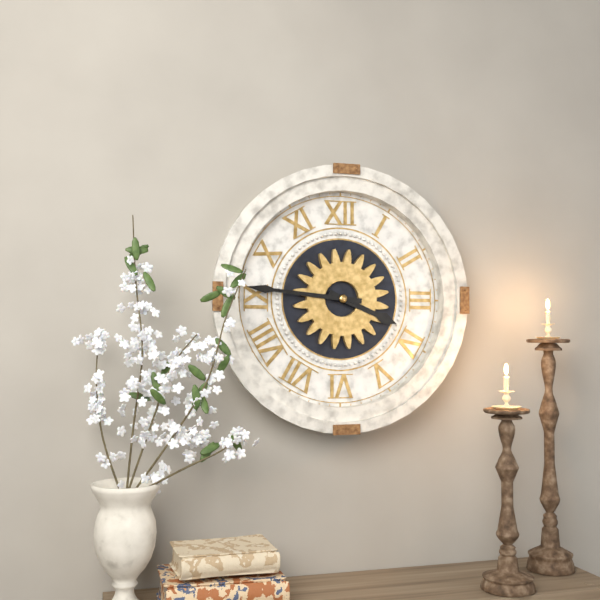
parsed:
3:46
